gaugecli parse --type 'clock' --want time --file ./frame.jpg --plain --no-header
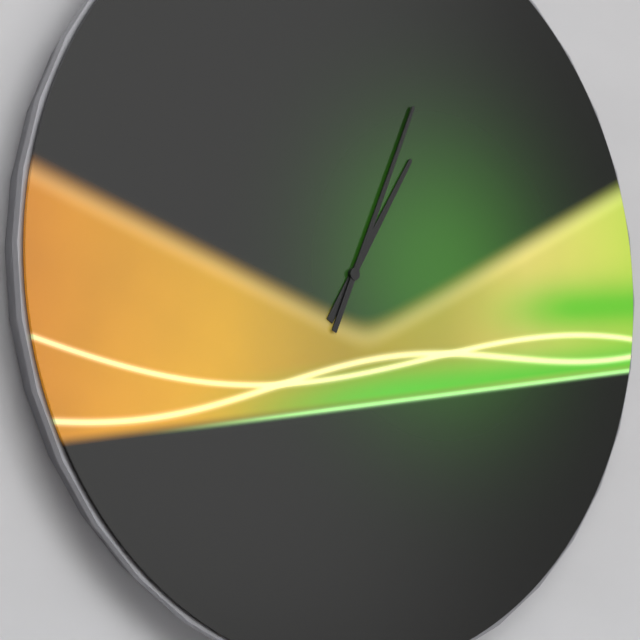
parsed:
1:04
